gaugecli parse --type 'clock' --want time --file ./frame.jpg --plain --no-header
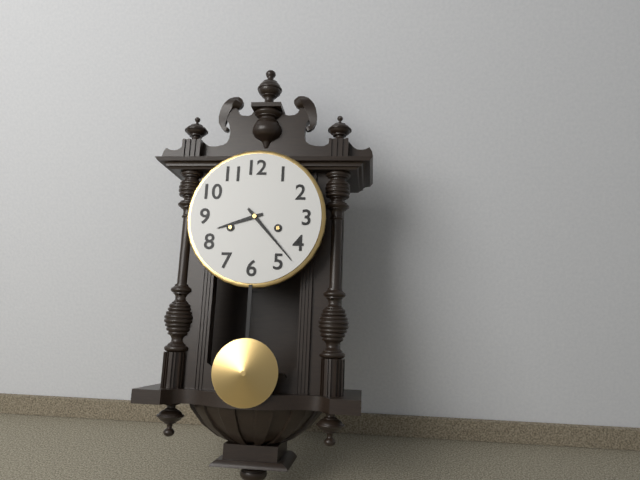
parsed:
8:23
